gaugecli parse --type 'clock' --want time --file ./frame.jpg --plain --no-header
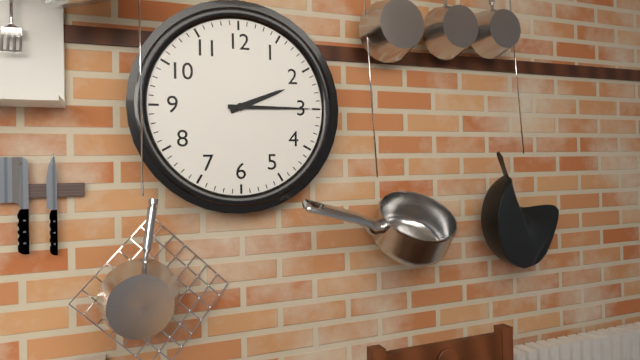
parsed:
2:15
